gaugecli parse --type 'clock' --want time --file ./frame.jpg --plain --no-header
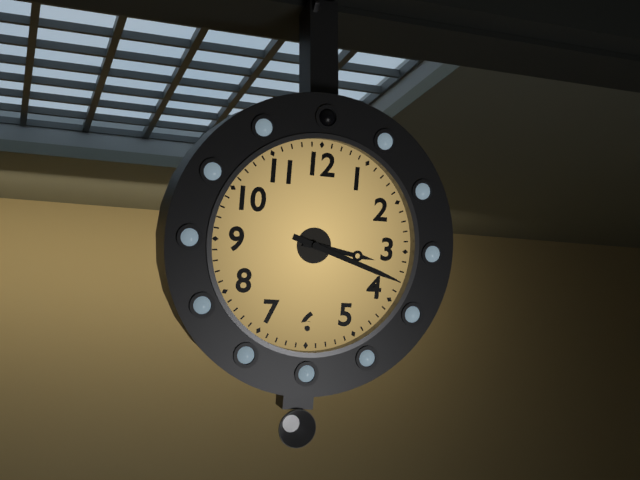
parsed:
3:18
